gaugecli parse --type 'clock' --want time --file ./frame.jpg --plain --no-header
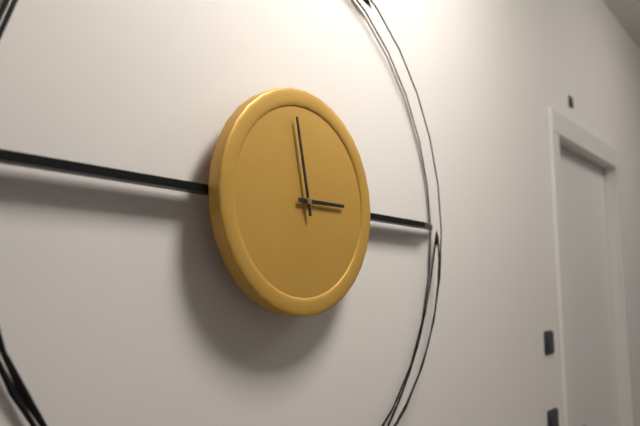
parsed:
2:58
